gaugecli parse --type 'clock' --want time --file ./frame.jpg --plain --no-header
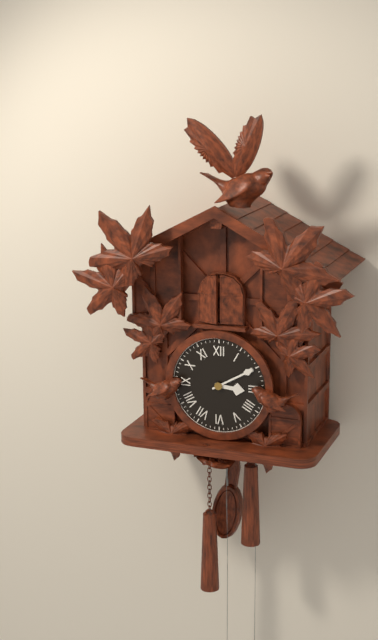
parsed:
3:10
